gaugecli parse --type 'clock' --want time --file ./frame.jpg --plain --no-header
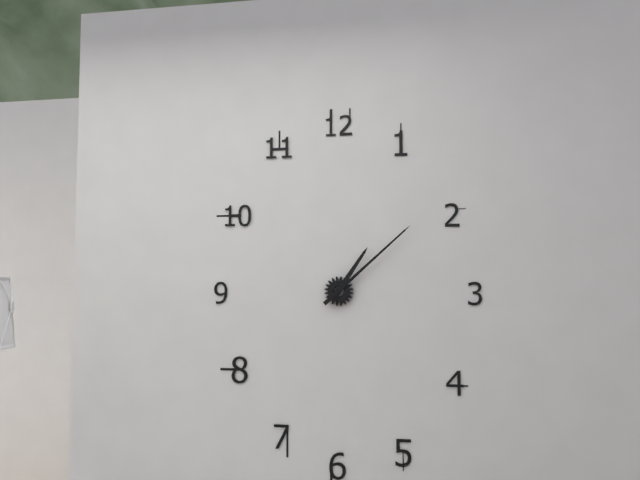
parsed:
1:08
